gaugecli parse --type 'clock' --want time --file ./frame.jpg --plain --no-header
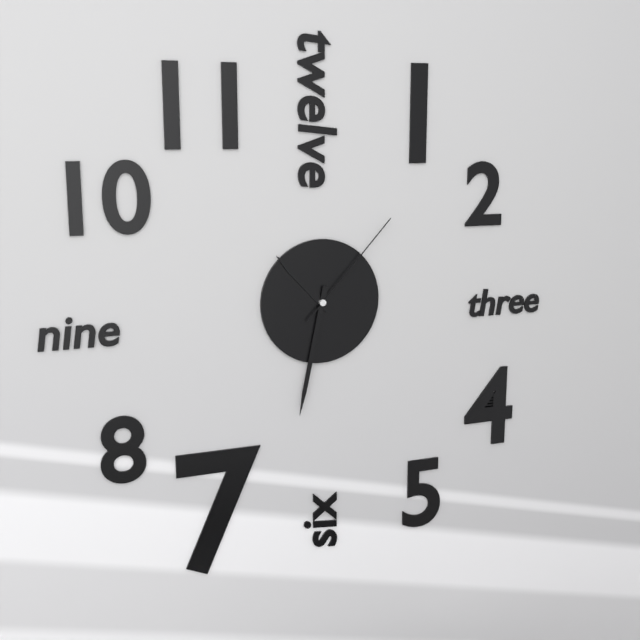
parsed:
10:32:07
